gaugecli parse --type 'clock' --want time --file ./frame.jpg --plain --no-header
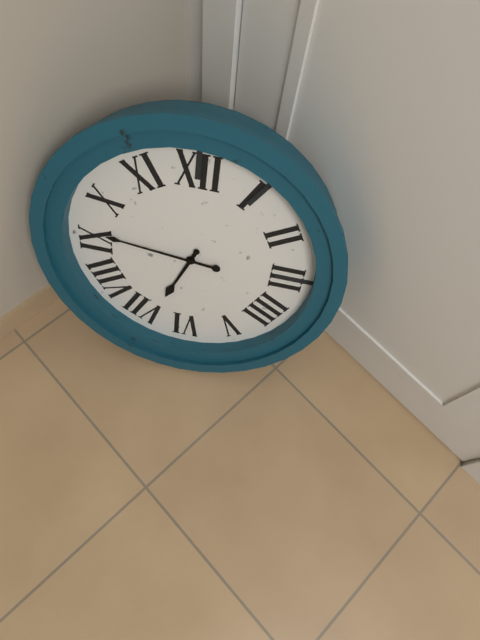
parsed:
6:46
